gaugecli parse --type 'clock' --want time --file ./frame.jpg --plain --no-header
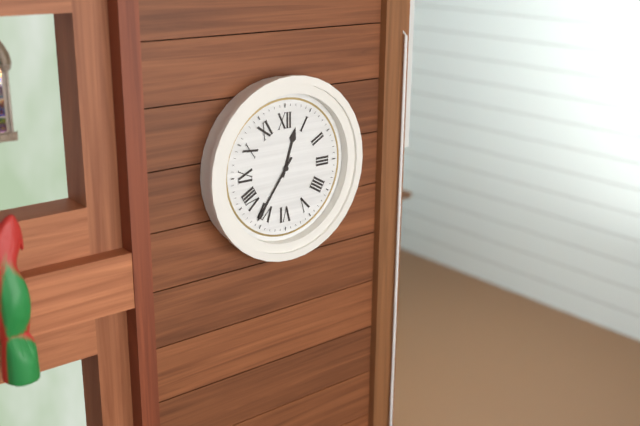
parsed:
12:36
